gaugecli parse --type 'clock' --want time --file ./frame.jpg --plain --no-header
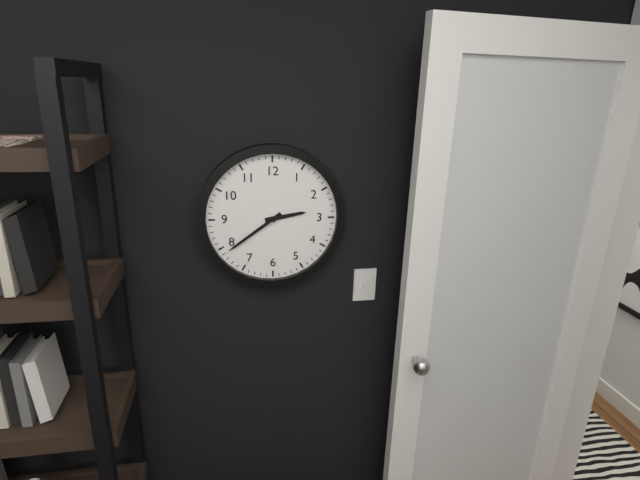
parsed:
2:39
